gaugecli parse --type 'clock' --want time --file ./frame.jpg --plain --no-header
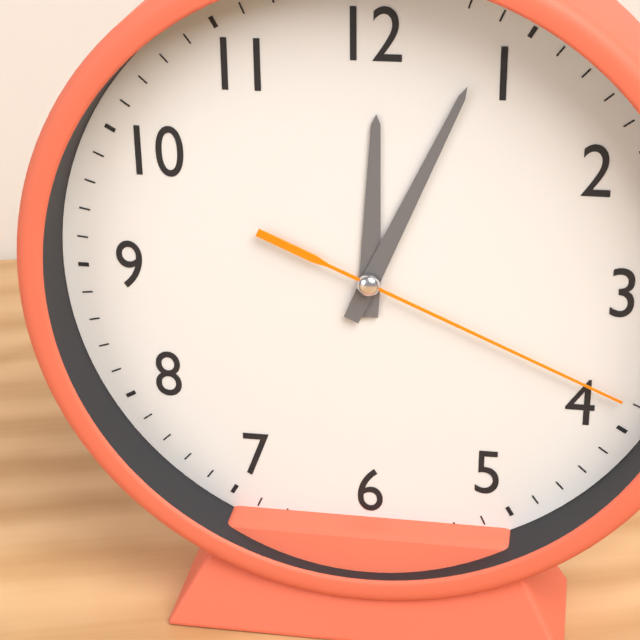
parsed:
12:04:19
